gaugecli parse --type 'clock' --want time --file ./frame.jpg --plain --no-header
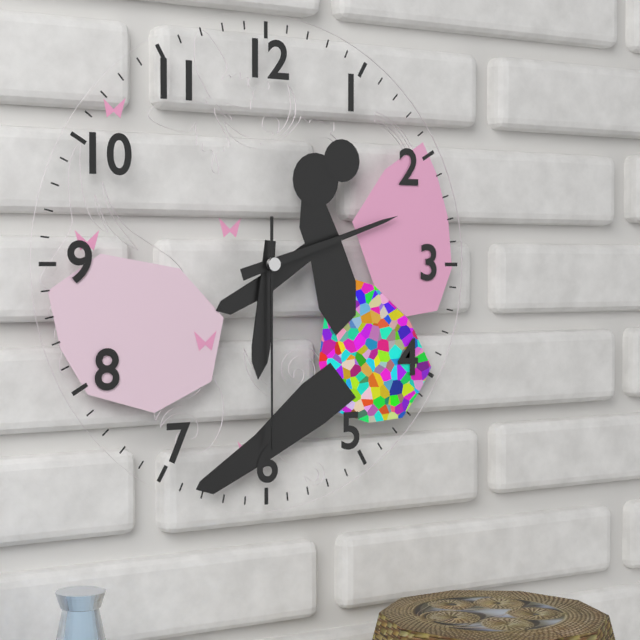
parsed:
6:12:30
